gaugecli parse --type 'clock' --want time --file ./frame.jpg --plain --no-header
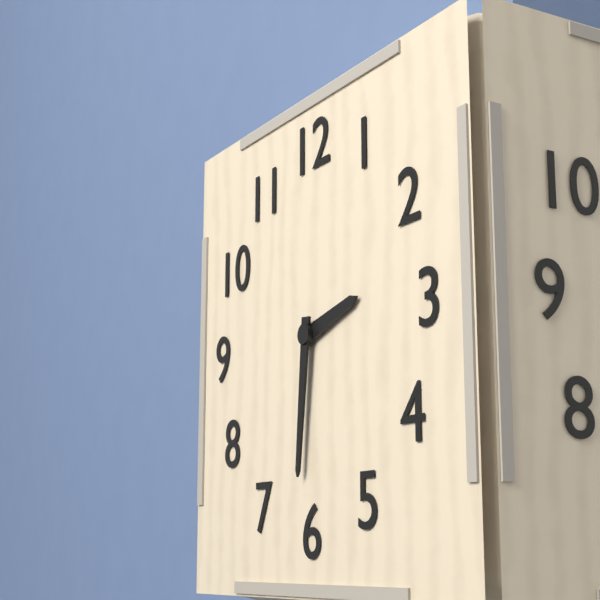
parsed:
2:31
